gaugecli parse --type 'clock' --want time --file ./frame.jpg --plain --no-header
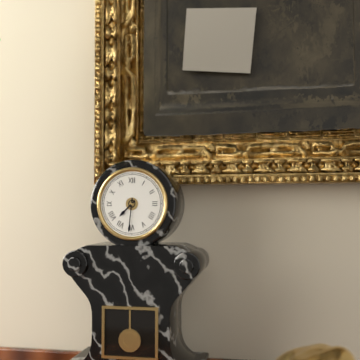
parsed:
7:31
